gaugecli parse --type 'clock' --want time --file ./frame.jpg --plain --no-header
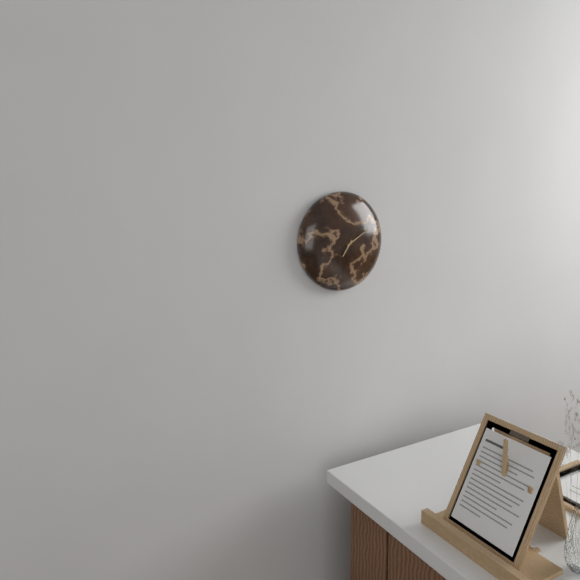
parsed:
7:10
